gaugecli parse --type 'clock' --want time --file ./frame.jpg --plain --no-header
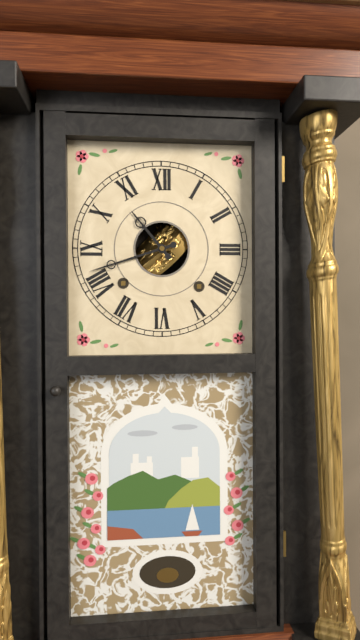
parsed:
10:42
